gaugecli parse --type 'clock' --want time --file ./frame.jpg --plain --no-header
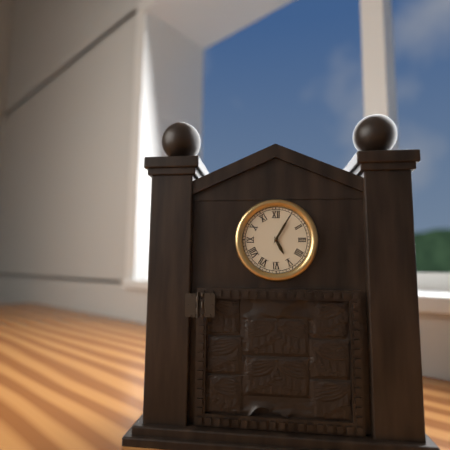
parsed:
5:05
